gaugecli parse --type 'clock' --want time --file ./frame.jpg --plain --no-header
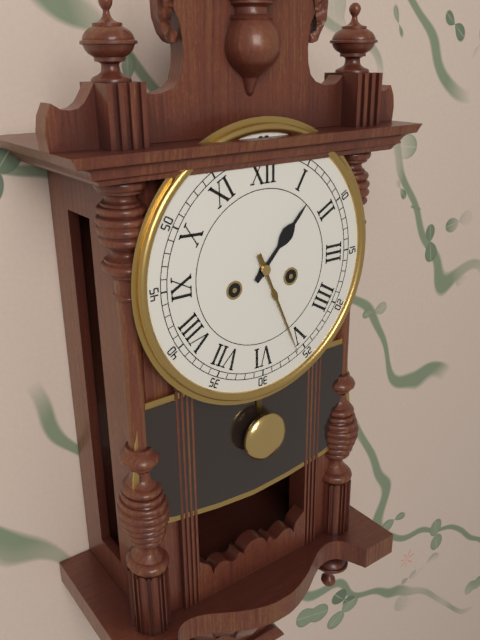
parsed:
1:26
